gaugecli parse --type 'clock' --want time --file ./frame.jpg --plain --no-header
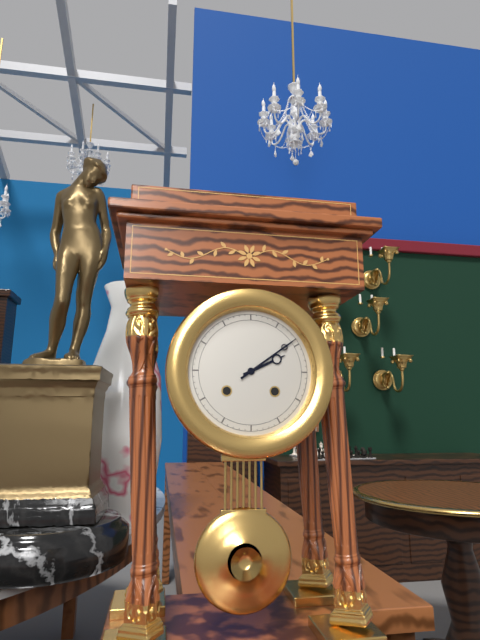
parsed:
2:09
